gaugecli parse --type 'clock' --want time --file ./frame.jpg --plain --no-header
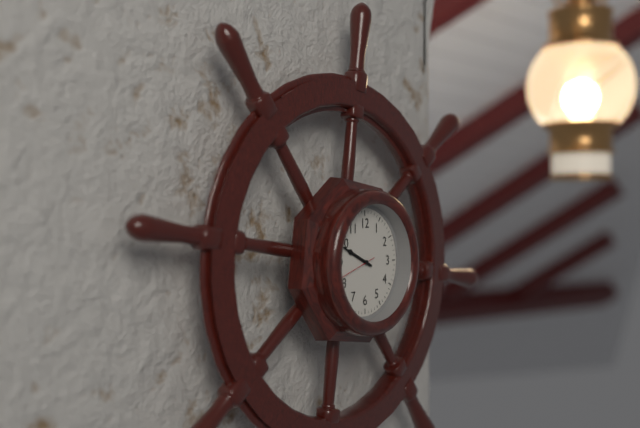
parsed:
9:49
